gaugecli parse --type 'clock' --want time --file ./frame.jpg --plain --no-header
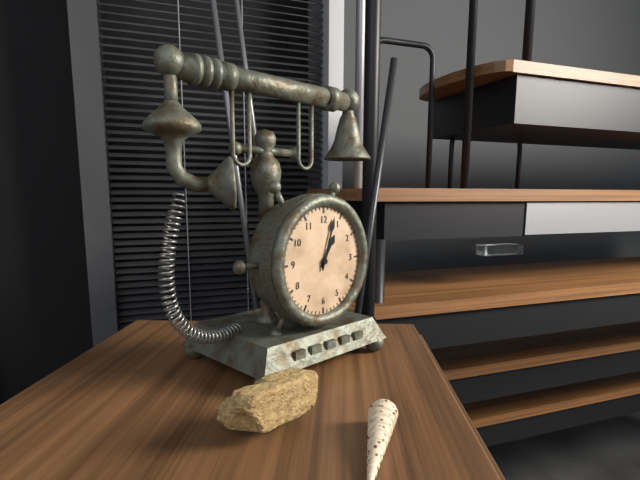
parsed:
1:03
